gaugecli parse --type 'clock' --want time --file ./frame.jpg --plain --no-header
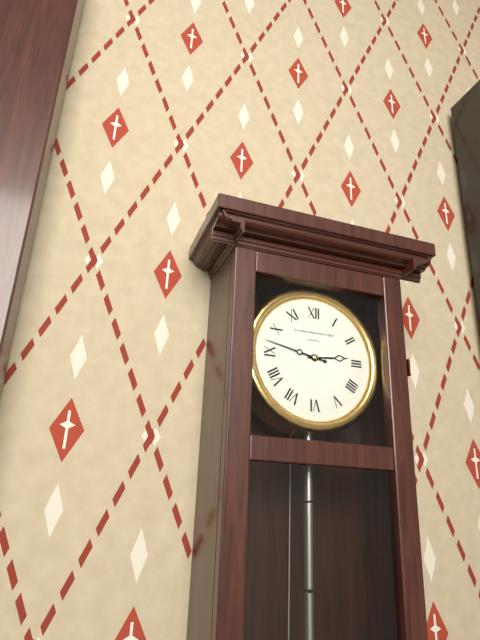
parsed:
2:47
